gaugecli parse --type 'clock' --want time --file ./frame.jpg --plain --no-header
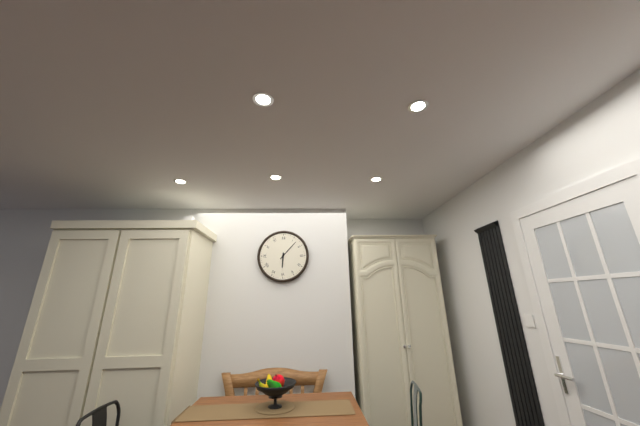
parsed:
6:07
